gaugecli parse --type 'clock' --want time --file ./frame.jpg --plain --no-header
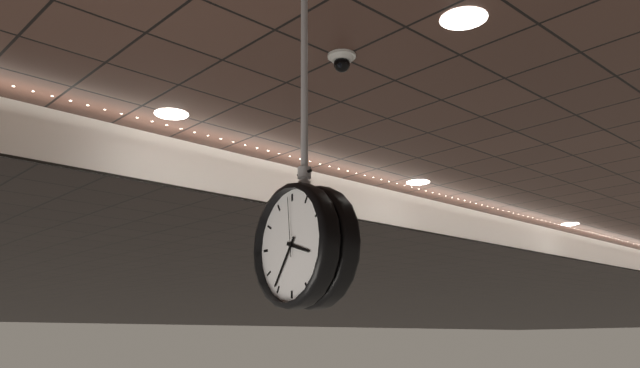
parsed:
3:36:59
